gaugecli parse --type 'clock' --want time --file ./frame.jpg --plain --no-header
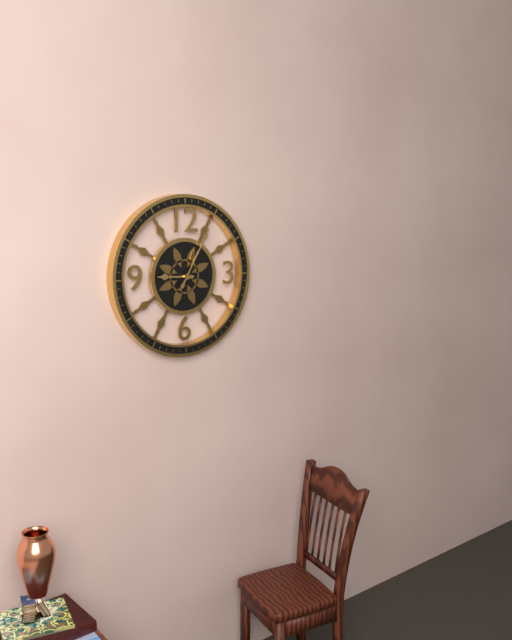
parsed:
9:05
